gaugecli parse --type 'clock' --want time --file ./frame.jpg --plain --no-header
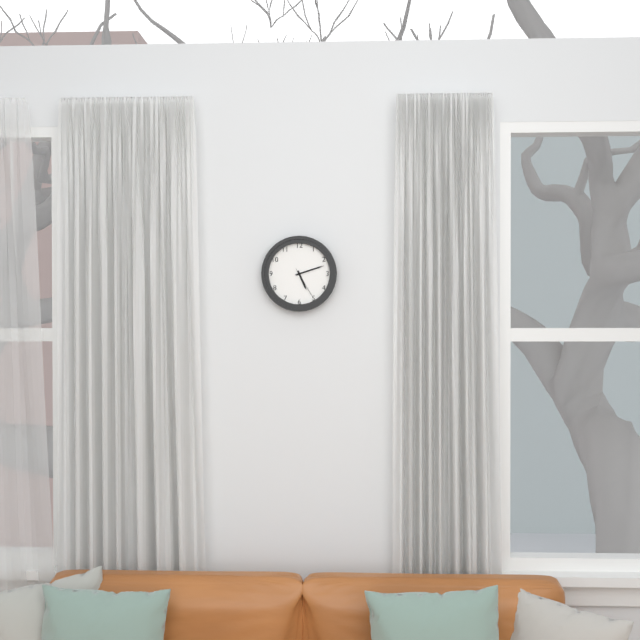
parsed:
5:12
